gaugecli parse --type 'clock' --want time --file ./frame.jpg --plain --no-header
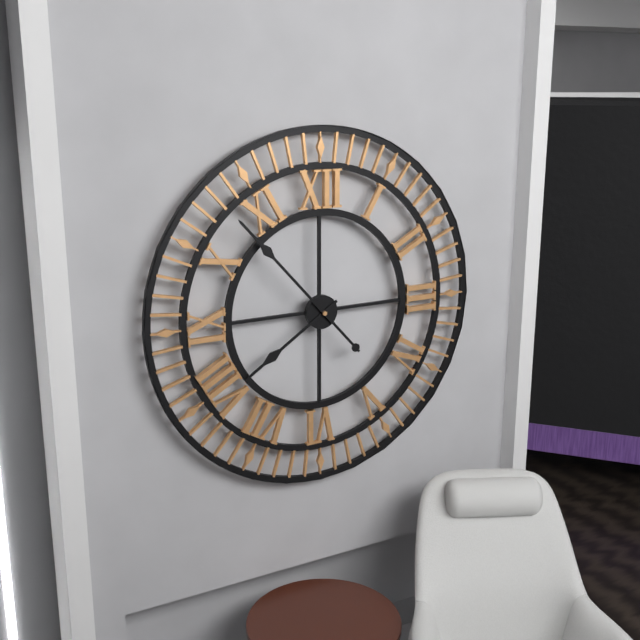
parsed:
7:53
